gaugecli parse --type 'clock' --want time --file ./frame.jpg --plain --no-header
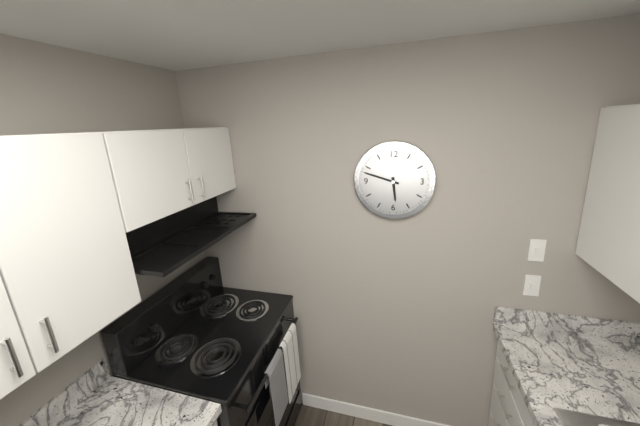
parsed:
5:48
